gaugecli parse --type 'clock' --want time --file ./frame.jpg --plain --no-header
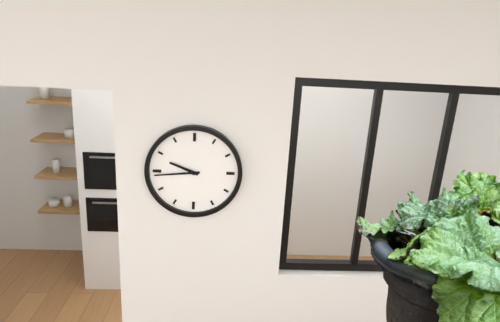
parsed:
9:44
